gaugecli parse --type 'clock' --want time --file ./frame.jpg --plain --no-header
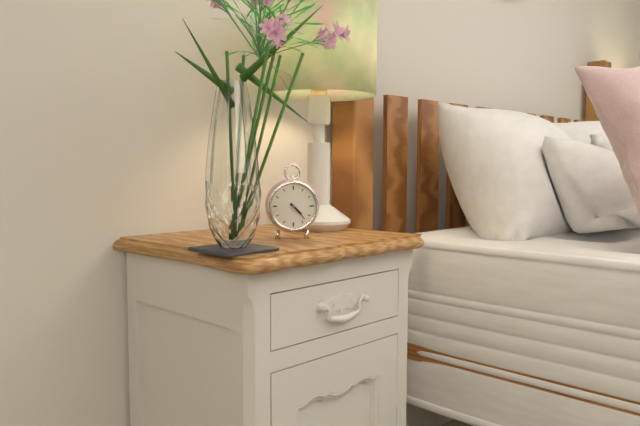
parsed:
4:23
